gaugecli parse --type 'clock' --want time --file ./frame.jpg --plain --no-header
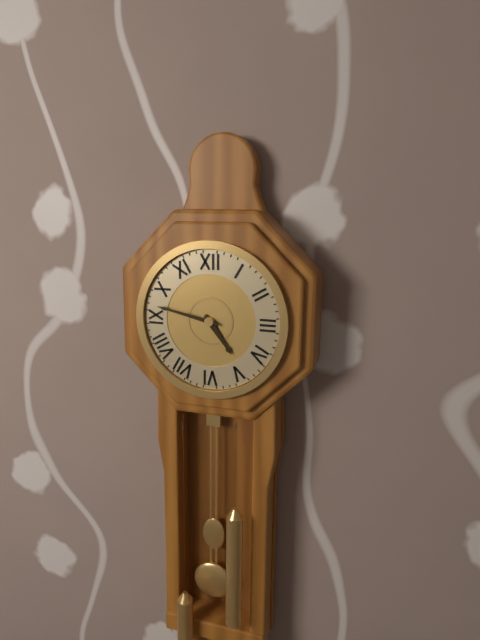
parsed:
4:47
